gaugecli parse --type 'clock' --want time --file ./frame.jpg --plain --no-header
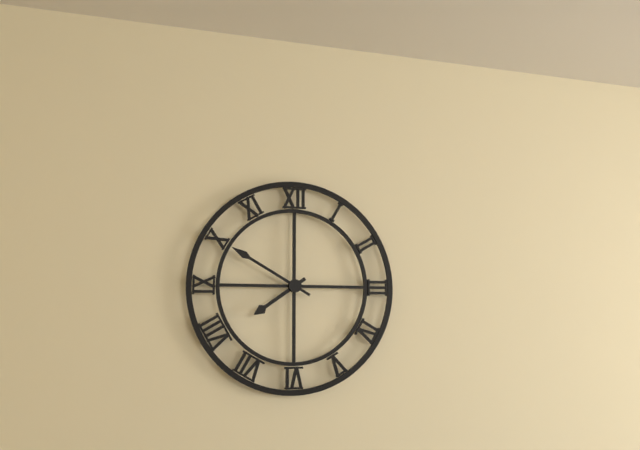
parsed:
7:50
